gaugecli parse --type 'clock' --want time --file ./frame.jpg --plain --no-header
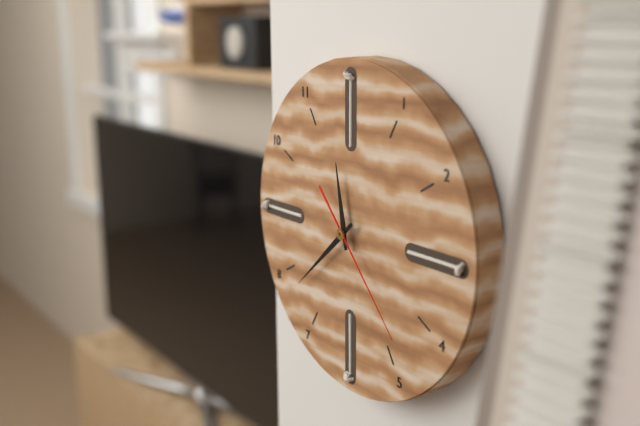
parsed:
11:38:23
